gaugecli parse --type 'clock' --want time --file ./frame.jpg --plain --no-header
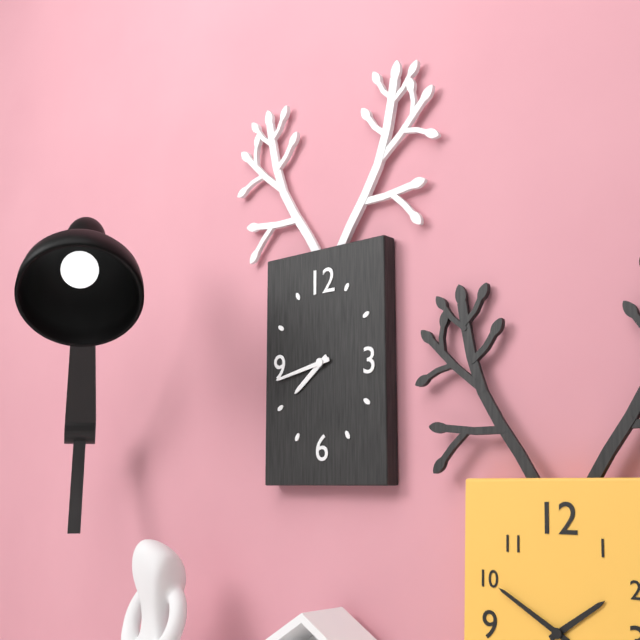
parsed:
7:43
